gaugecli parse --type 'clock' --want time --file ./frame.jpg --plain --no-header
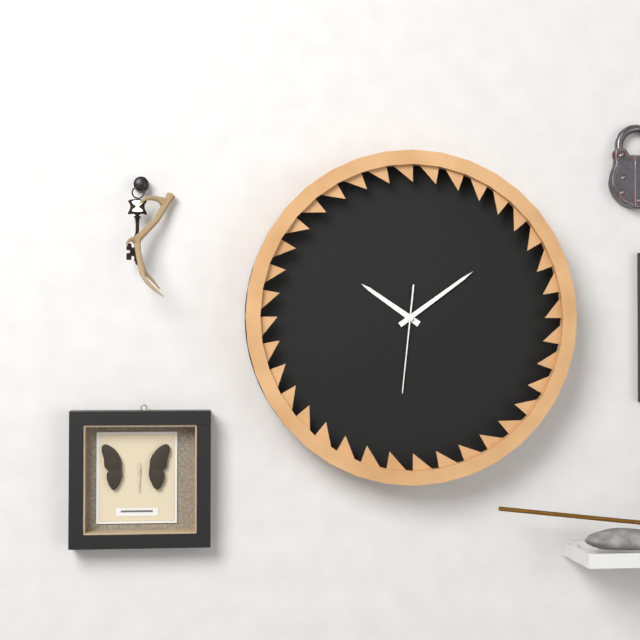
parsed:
10:09:31
